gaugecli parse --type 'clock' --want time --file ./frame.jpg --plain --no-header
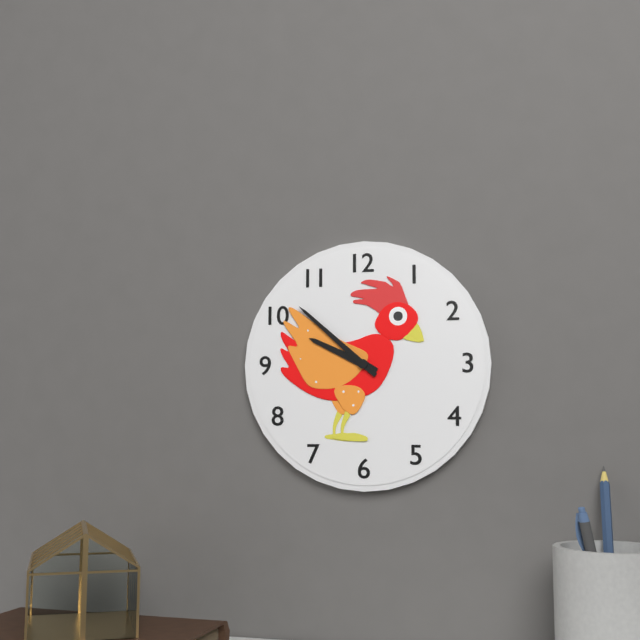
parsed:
9:52
